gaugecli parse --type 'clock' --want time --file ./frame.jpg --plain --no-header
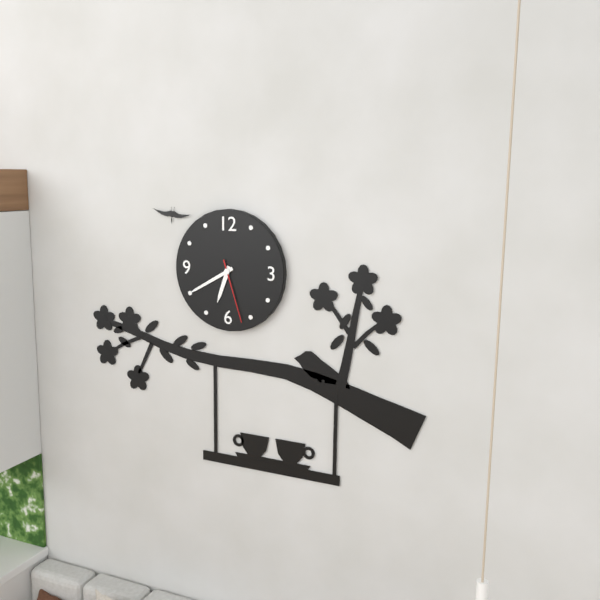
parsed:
6:40:27
